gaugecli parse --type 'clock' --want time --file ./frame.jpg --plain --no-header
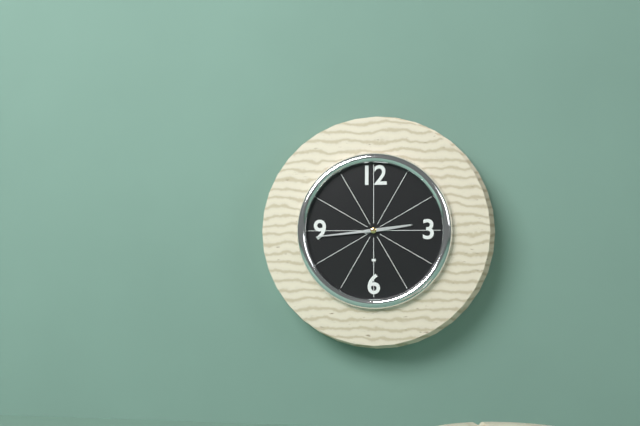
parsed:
2:44
